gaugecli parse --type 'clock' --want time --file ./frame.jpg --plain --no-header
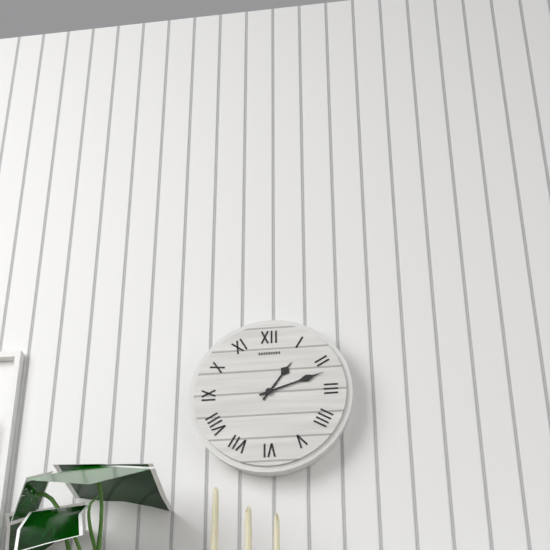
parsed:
1:12
